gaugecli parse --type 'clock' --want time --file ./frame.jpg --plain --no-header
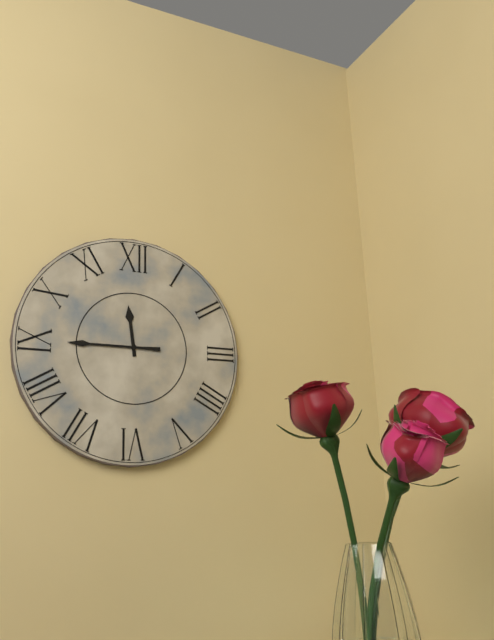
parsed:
11:45
